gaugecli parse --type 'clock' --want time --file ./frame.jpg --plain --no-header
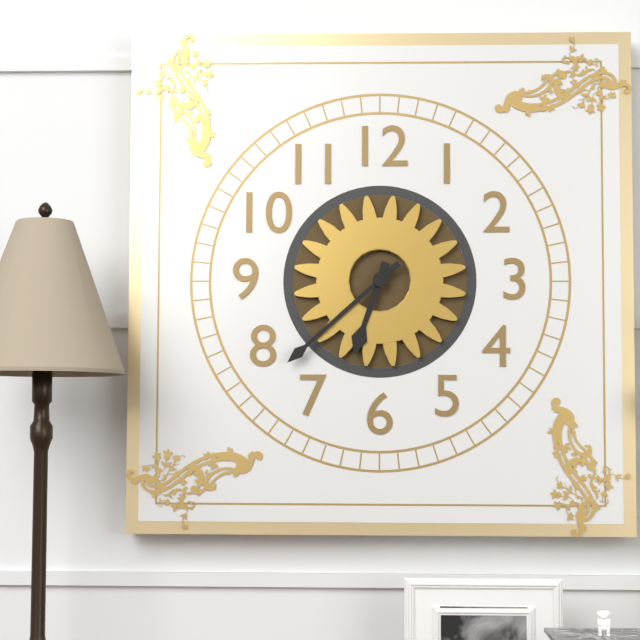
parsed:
6:38
